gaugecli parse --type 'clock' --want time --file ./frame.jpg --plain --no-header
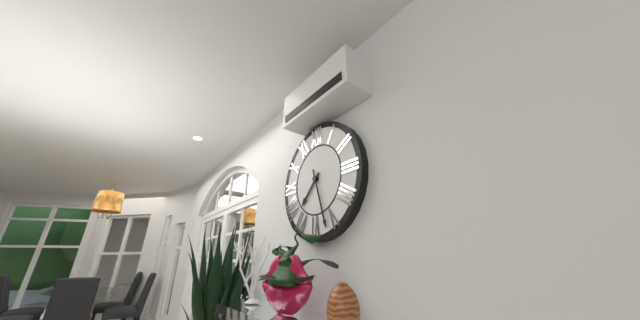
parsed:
7:27
